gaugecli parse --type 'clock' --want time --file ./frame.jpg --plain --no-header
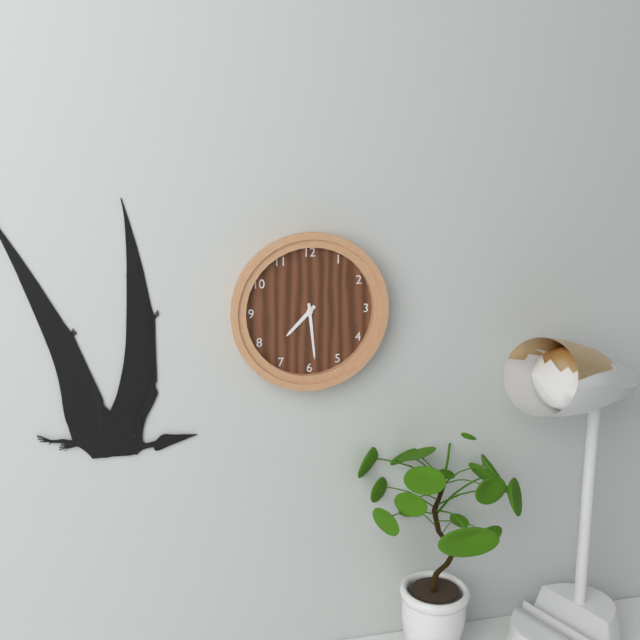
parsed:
7:29
